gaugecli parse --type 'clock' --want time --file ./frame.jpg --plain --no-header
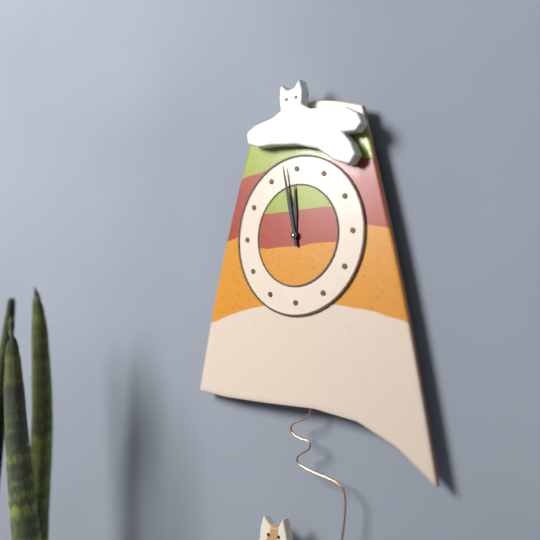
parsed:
11:58
